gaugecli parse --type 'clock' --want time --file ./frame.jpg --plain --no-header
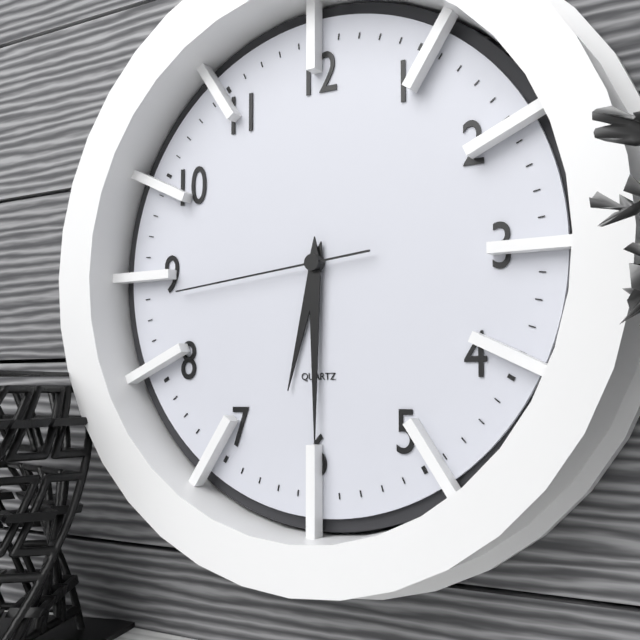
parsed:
6:30:44
